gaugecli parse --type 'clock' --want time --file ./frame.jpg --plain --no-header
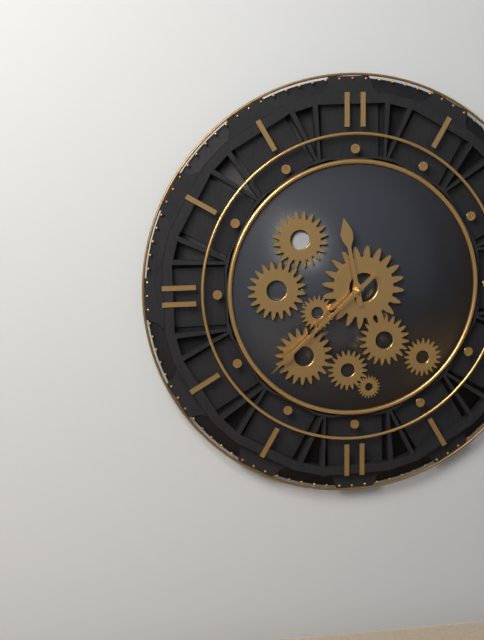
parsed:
11:38
